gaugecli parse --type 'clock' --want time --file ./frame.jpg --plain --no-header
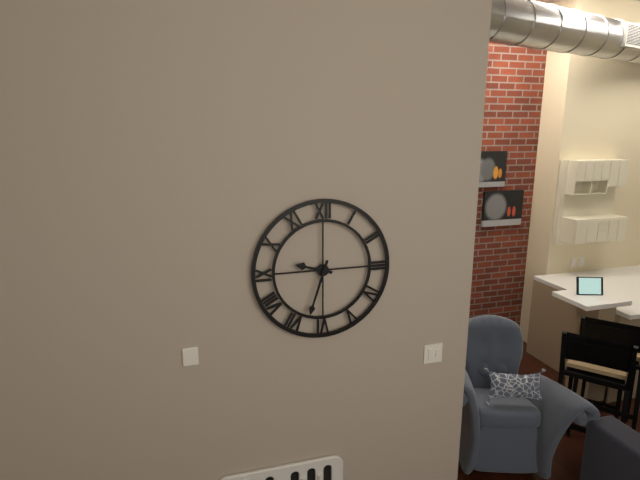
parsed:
9:33
